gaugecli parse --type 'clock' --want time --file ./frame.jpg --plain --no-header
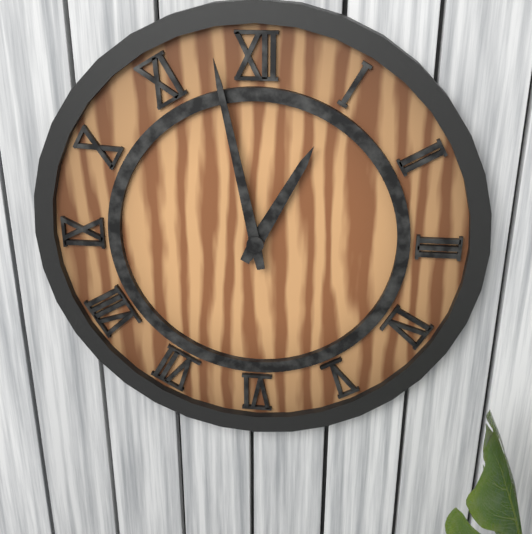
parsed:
12:58
